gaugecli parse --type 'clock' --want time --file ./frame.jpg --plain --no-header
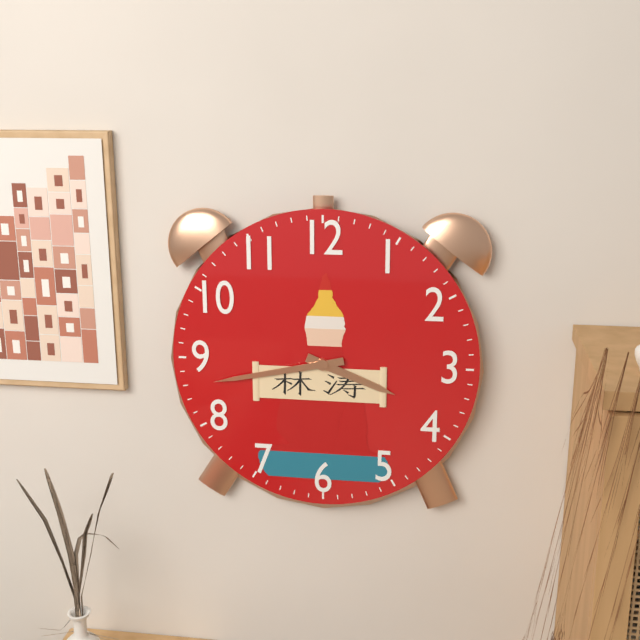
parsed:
3:43
